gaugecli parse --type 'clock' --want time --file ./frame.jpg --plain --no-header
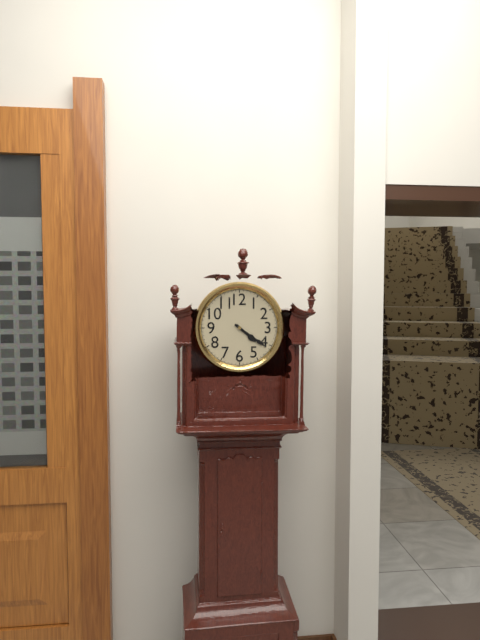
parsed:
4:21
